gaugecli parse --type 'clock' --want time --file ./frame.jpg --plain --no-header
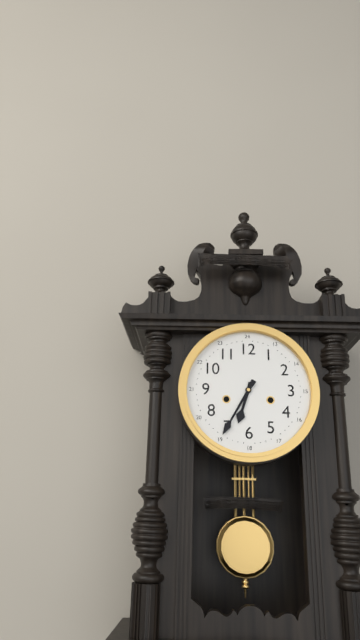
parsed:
6:35
